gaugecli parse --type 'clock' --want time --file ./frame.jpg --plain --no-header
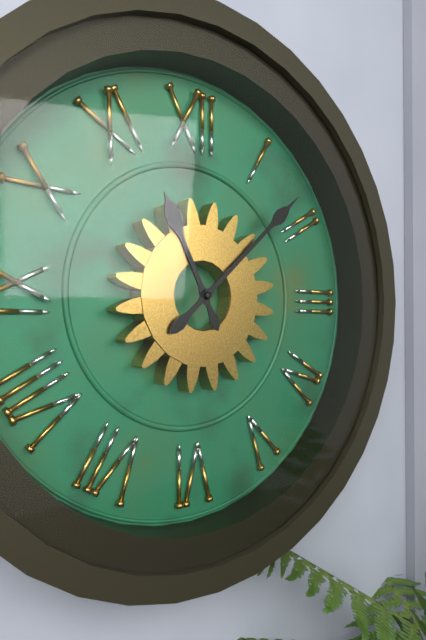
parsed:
11:08
